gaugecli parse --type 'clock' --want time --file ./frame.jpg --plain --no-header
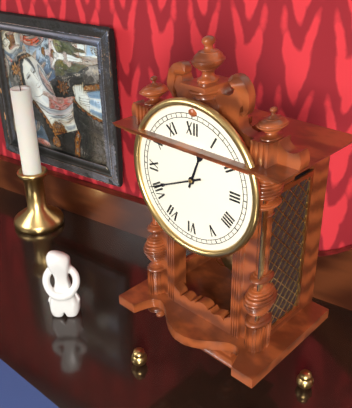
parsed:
12:41
